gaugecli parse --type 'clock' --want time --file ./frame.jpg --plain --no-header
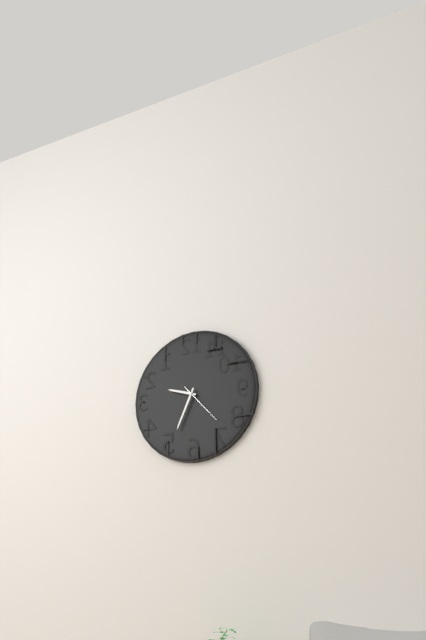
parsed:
9:34
